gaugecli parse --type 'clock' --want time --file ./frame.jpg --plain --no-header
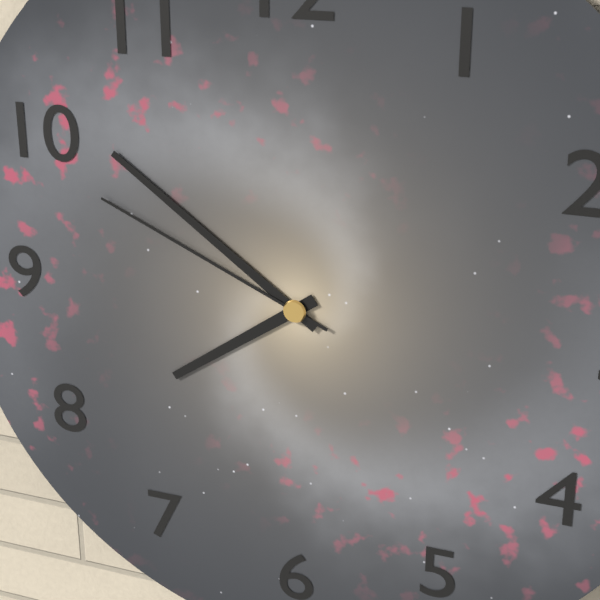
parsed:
7:51:49
